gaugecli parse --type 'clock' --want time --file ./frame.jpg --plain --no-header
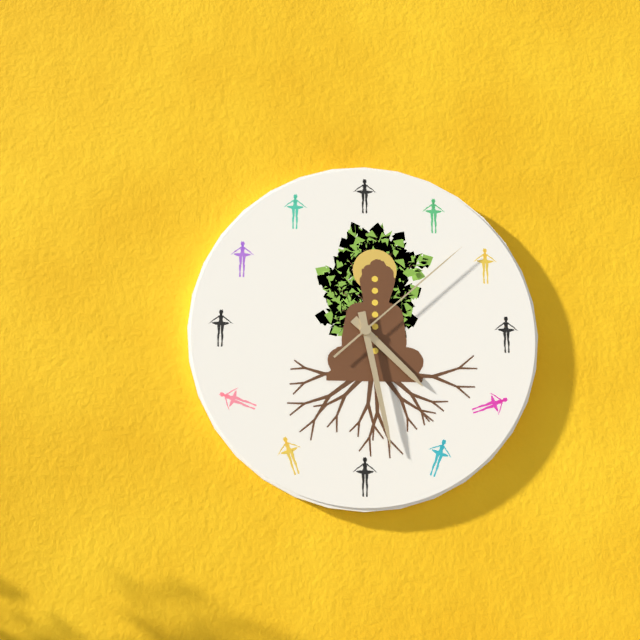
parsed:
4:28:08
